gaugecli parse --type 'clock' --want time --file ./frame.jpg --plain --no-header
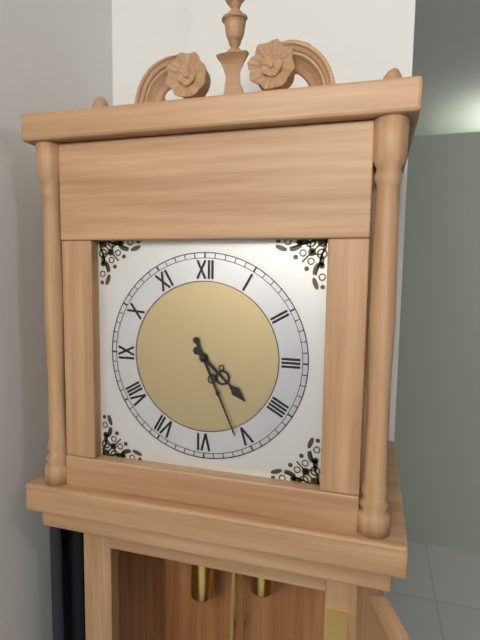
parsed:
4:26
